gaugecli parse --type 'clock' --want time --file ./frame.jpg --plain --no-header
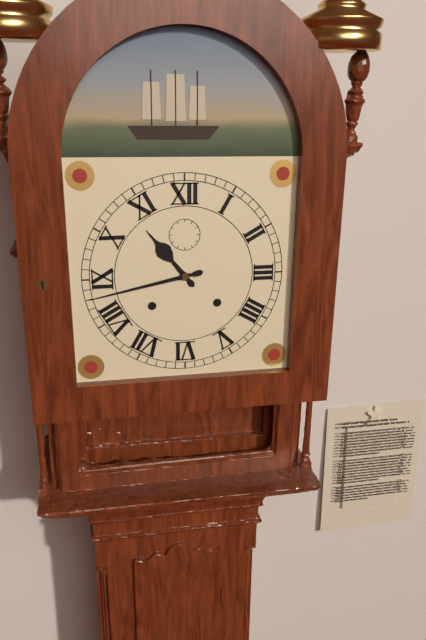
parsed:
10:43
